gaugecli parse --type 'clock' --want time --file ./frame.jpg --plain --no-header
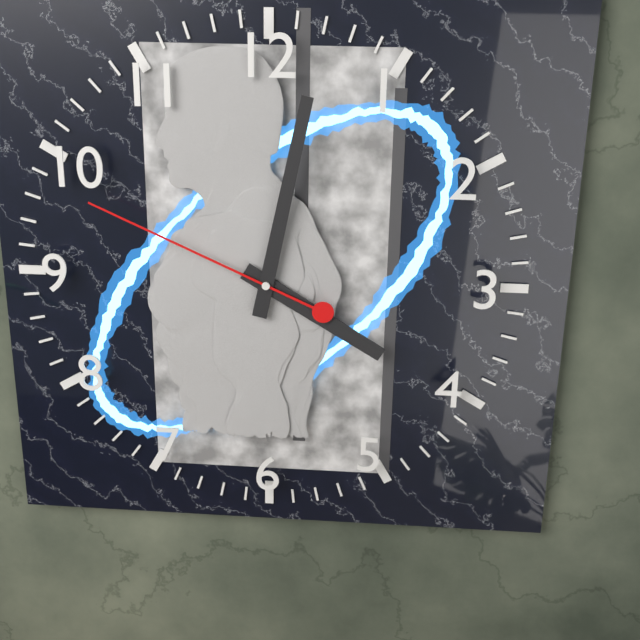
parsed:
4:02:49
